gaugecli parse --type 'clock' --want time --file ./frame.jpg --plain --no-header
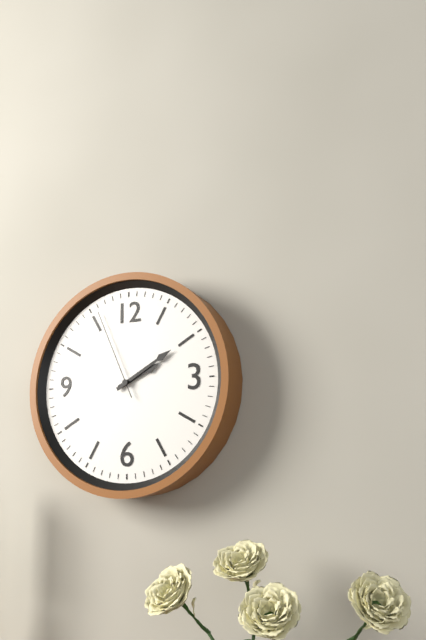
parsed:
2:10:56
